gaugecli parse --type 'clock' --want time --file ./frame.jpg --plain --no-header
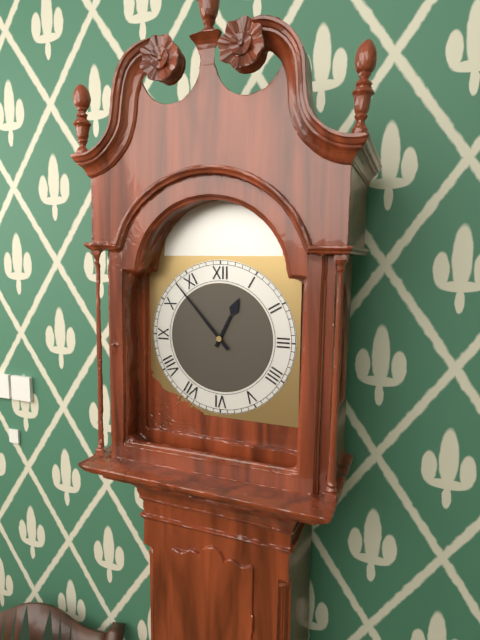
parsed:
12:53
